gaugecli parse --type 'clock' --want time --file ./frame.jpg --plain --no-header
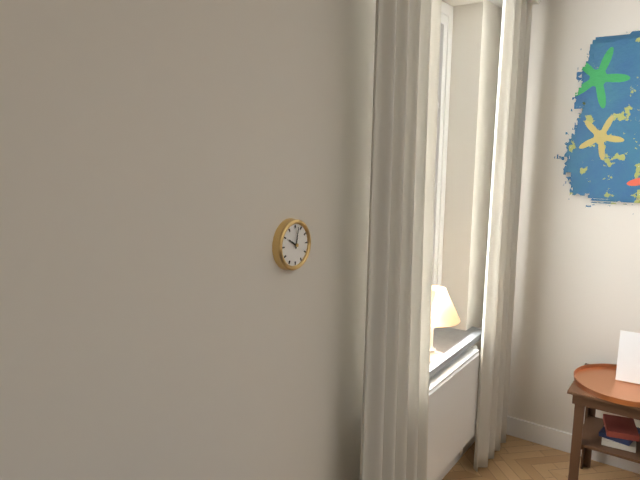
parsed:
10:02
